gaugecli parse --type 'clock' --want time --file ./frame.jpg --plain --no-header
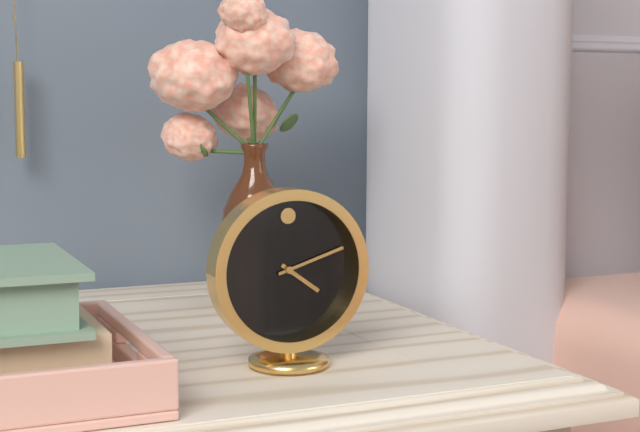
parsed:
4:12
